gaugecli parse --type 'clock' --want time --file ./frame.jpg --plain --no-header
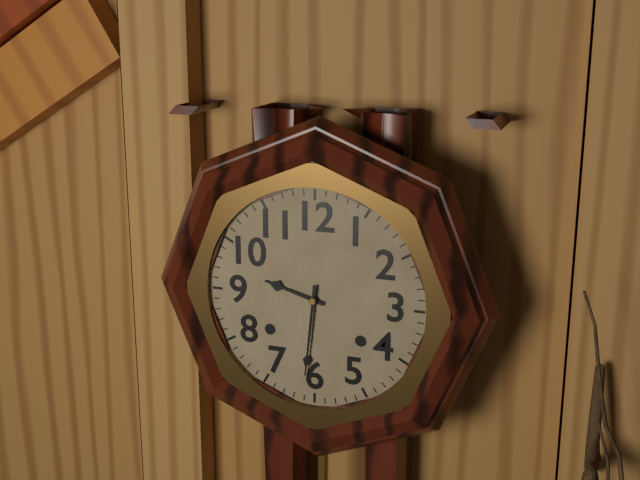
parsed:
9:31
